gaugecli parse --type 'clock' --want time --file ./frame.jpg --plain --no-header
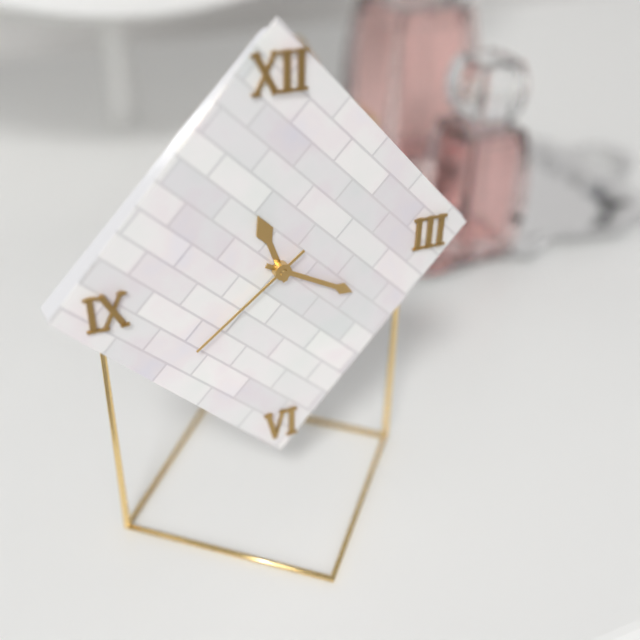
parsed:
11:20:39
